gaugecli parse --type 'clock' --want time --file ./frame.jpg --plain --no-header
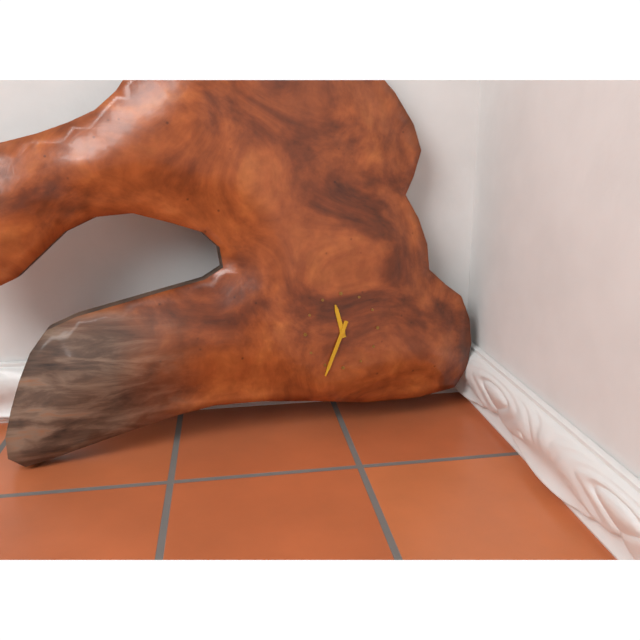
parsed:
11:34
